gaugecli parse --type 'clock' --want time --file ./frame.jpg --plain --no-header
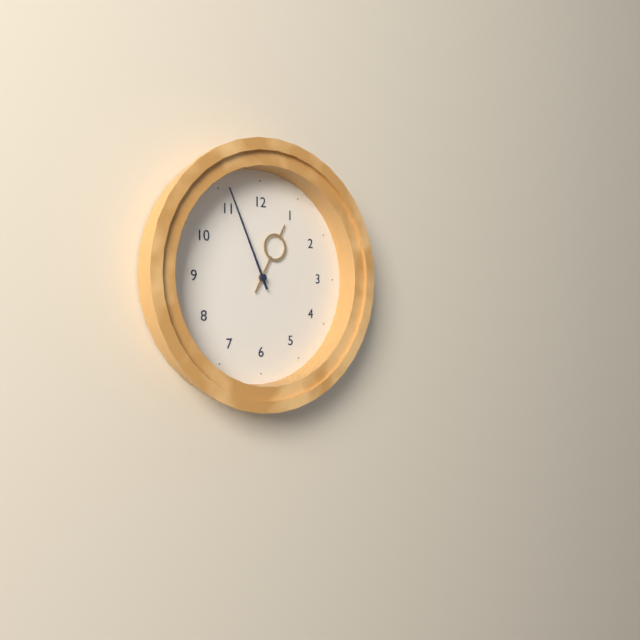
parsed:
12:56
